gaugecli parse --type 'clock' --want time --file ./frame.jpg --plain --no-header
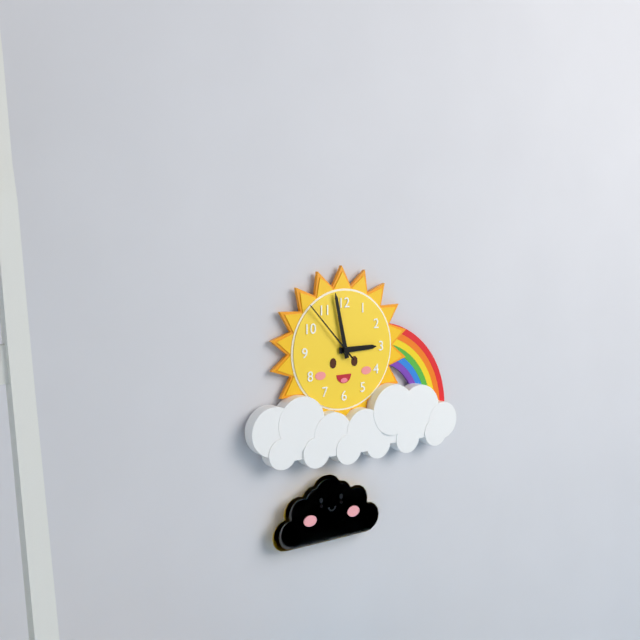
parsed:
2:58:53
